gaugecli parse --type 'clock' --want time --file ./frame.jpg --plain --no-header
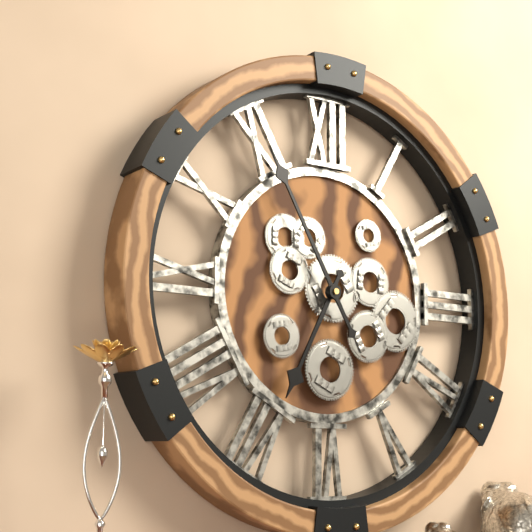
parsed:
6:55
